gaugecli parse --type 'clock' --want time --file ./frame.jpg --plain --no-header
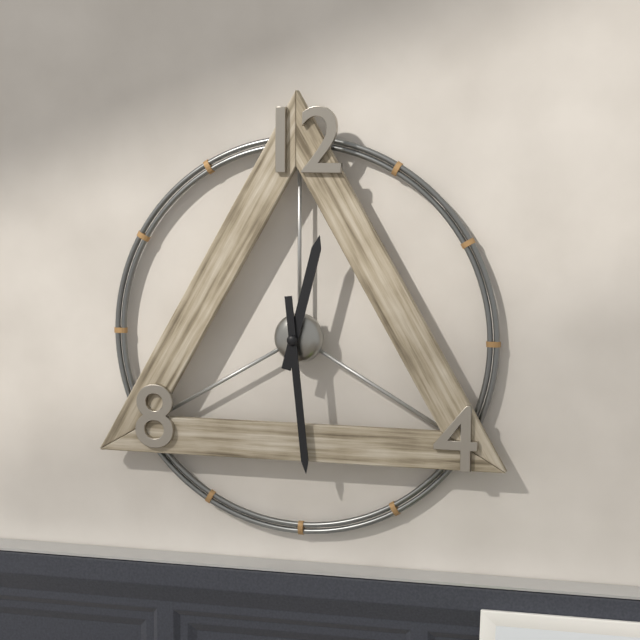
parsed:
12:29
